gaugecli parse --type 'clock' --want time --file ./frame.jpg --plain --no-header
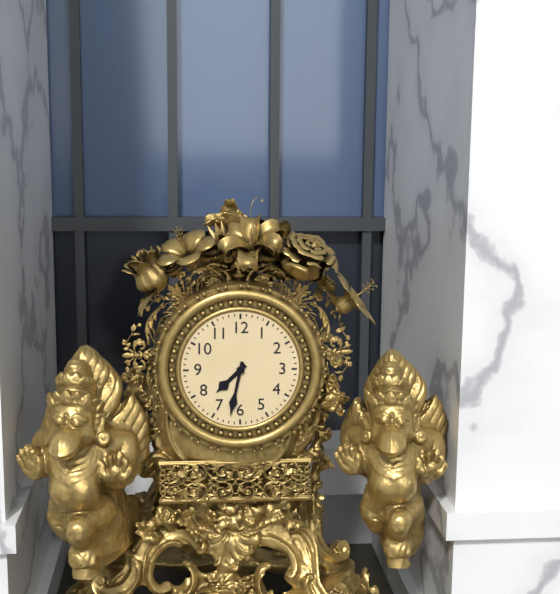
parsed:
7:32
